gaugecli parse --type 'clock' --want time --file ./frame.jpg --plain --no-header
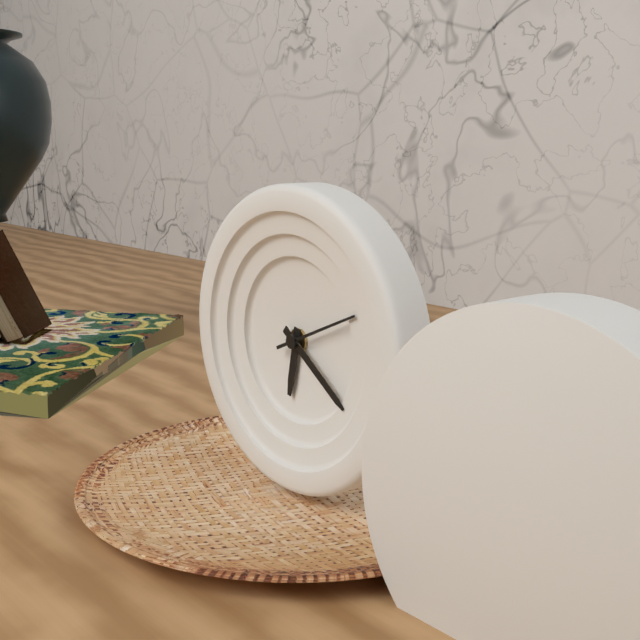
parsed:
6:21:11
